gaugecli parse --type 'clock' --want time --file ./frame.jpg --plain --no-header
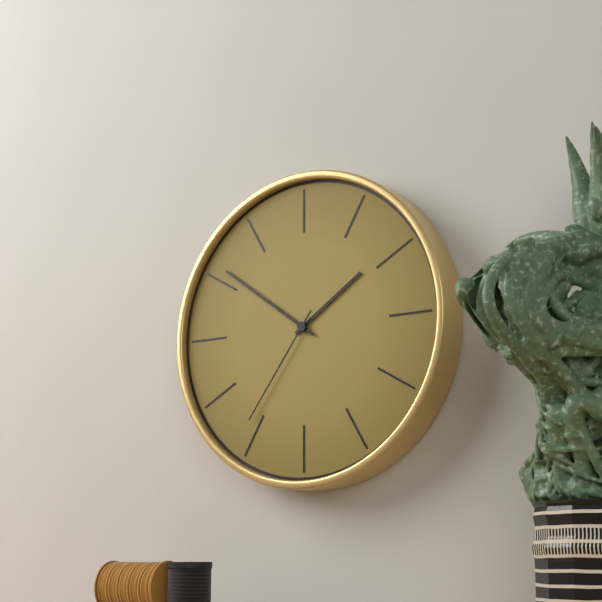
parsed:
1:51:36
